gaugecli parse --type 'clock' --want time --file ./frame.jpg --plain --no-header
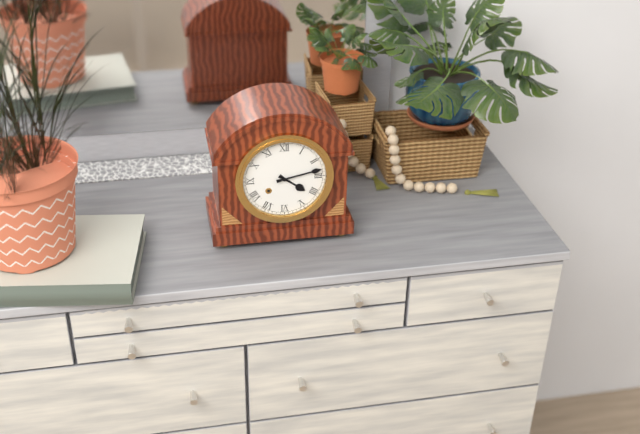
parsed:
4:13
